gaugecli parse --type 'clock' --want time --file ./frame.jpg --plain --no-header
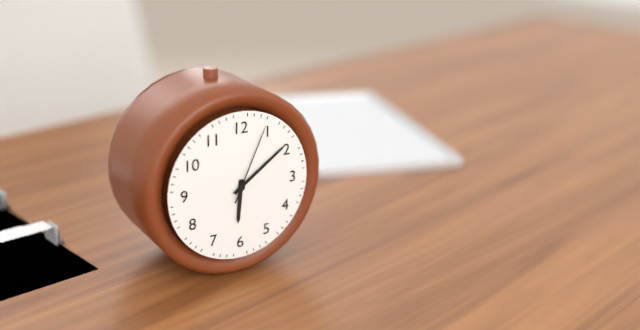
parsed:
6:09:04
